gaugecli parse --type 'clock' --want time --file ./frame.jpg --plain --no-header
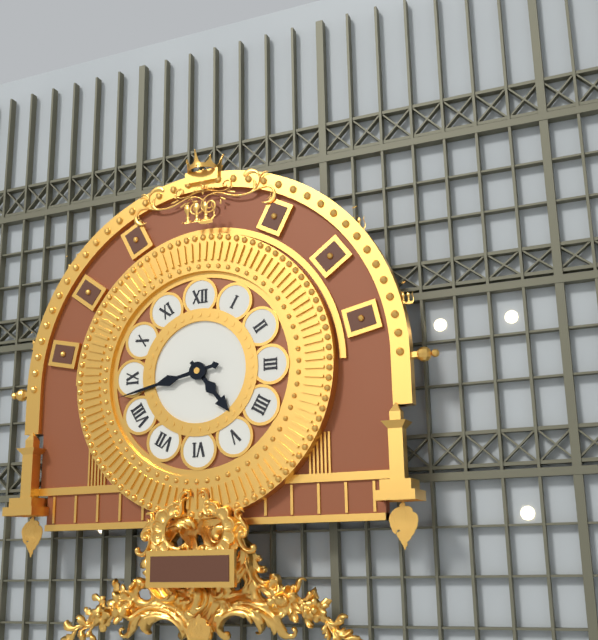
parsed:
4:43
